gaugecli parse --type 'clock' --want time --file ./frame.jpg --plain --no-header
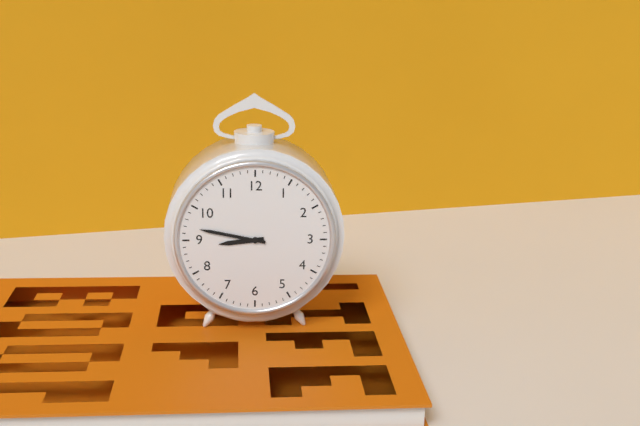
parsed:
8:47
